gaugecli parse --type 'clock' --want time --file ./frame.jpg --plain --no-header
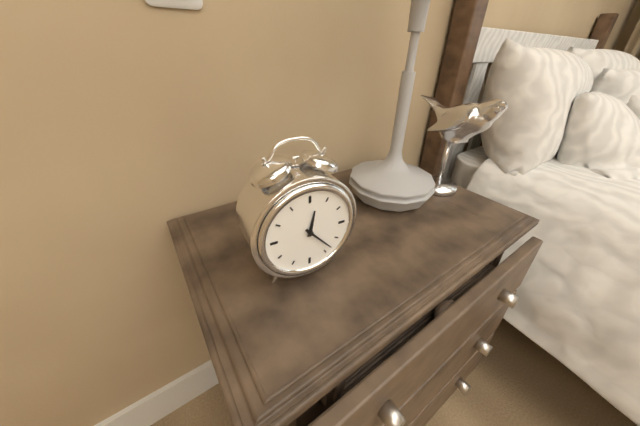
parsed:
12:23
